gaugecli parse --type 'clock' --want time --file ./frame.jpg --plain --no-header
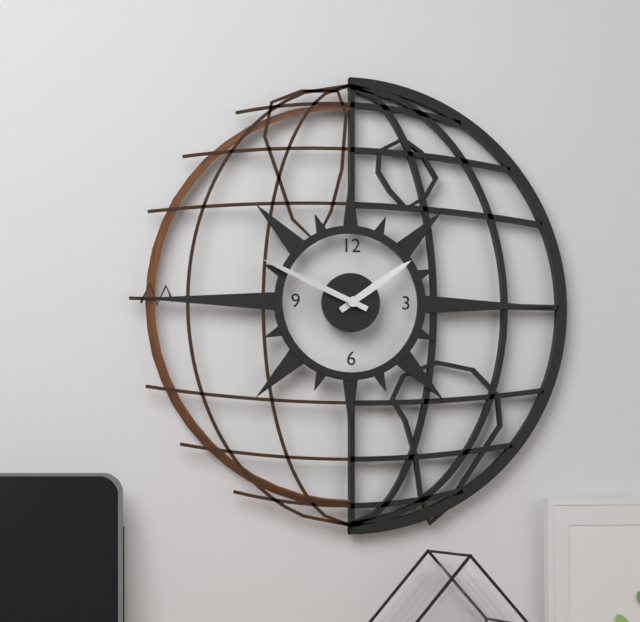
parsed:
1:49
